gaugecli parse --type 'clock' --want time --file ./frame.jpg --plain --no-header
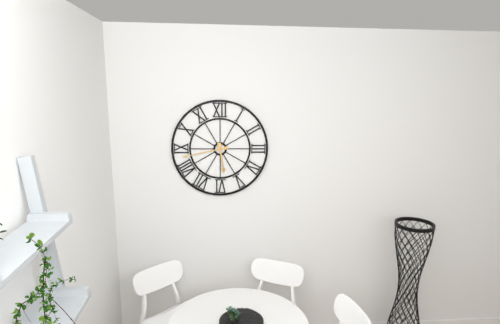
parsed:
5:43
